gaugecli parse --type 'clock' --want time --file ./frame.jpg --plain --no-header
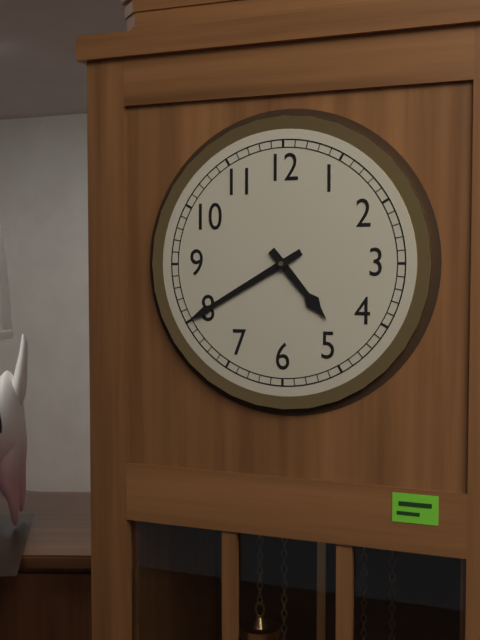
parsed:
4:40
